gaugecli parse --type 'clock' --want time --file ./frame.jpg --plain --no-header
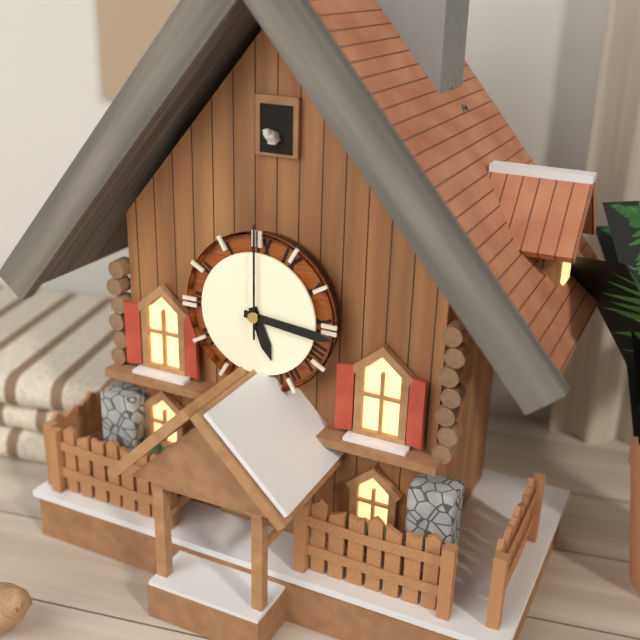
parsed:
5:16:00
